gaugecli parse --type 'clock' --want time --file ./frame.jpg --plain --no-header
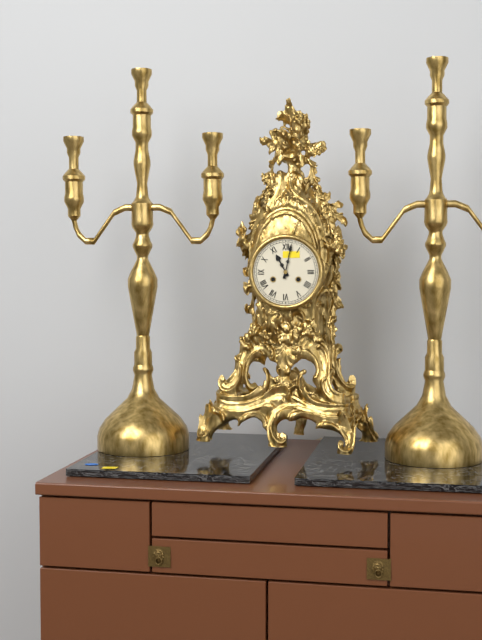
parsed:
11:02
